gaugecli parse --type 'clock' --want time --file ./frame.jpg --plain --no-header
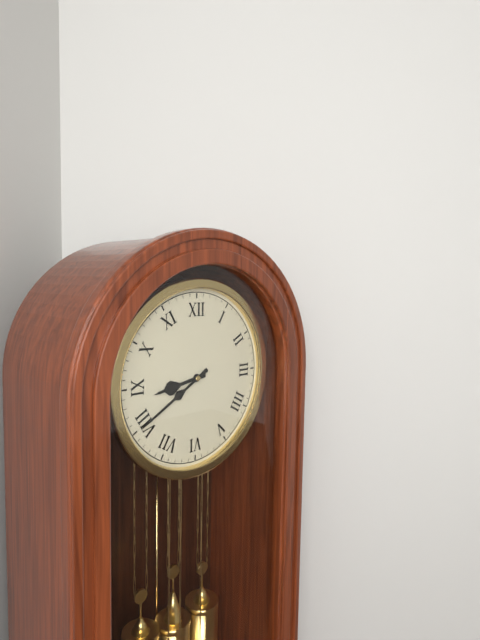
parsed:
8:40
